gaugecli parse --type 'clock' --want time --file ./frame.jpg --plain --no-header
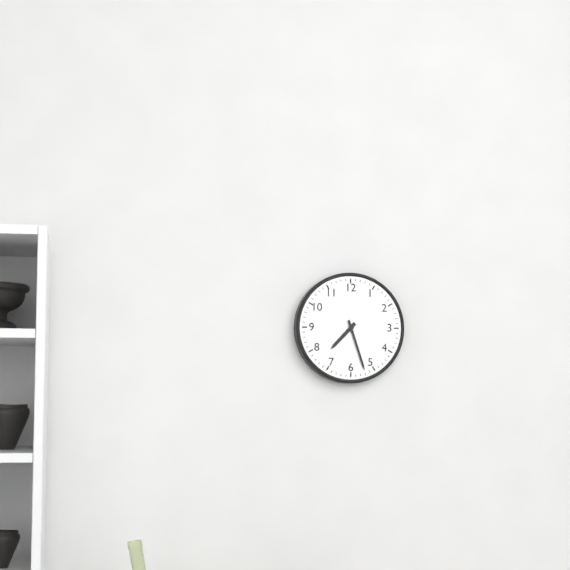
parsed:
7:27
